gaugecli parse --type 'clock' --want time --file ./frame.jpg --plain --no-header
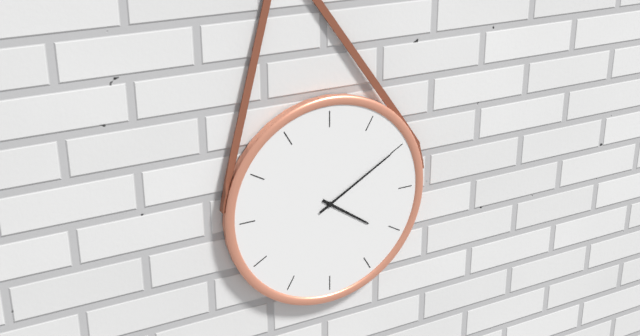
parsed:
4:10
